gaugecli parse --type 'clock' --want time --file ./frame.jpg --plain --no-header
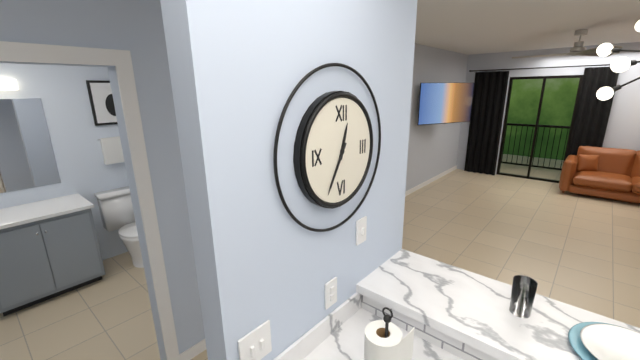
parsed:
12:35
